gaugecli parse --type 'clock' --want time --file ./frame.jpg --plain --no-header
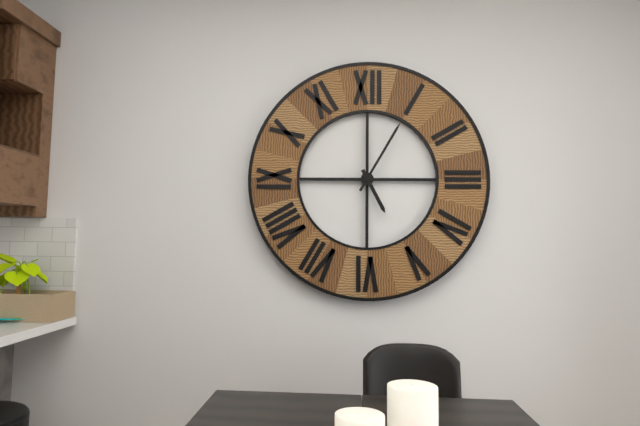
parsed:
5:05
